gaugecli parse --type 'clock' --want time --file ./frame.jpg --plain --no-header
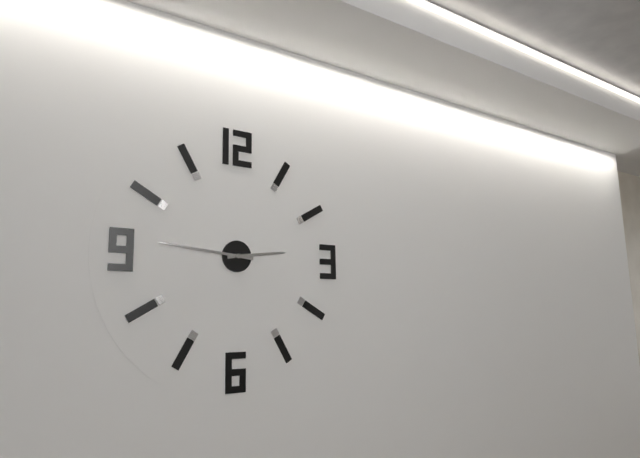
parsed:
2:46
